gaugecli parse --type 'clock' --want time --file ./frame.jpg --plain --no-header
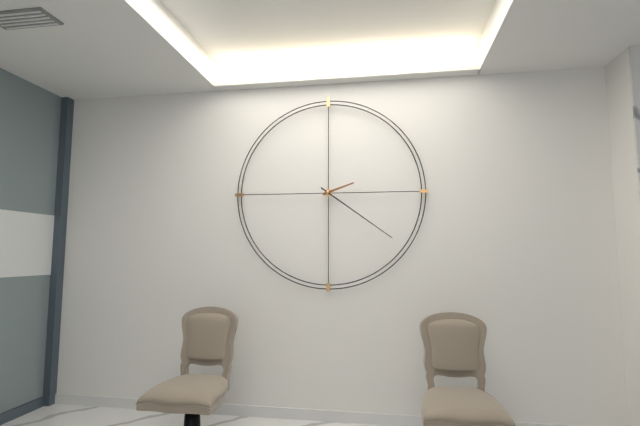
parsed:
2:21
